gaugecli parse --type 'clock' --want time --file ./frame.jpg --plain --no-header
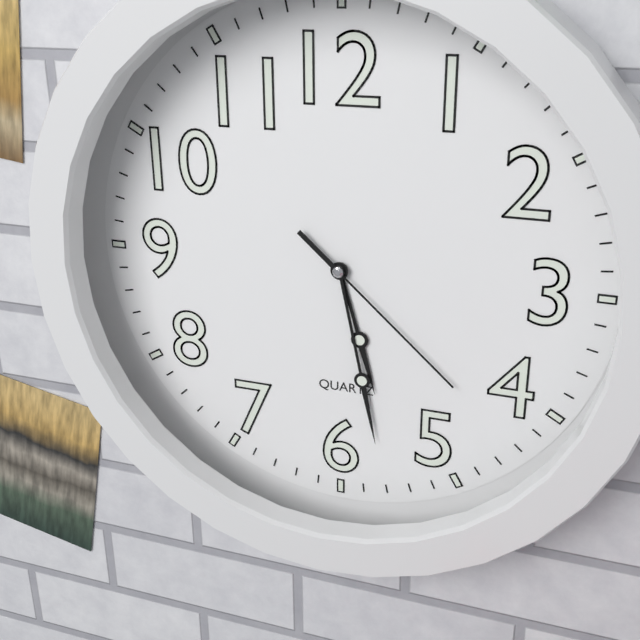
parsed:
5:28:22
